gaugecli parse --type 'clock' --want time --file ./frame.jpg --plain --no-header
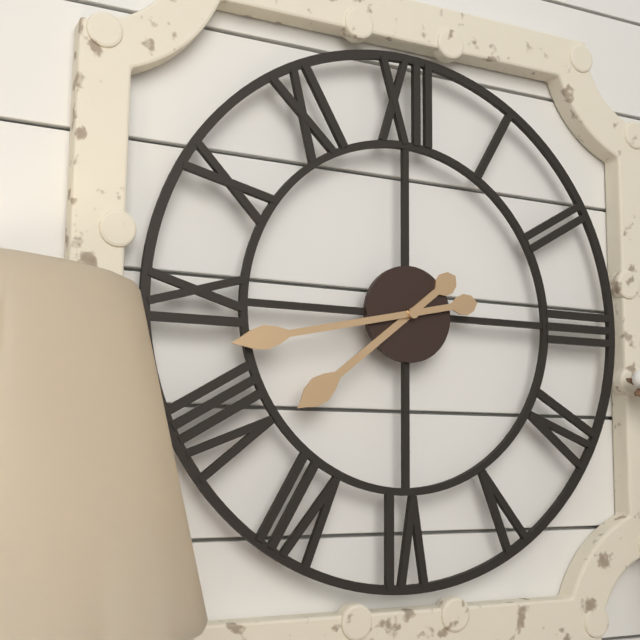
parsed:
7:43
